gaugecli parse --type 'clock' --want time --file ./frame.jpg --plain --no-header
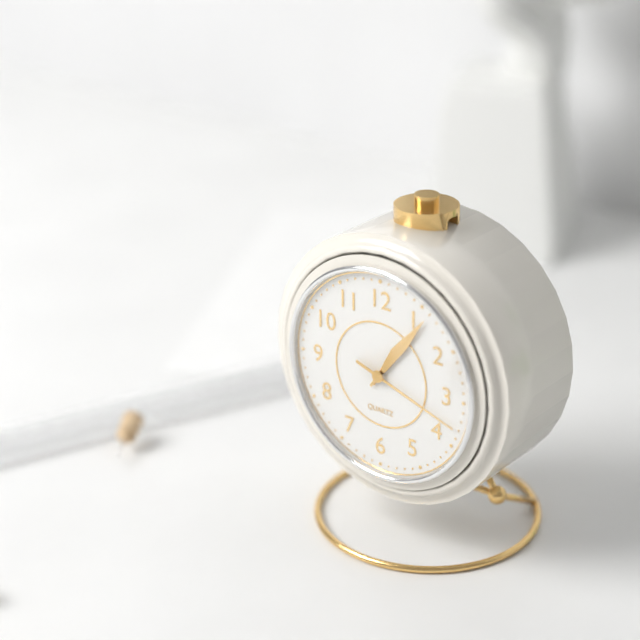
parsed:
1:06:18
